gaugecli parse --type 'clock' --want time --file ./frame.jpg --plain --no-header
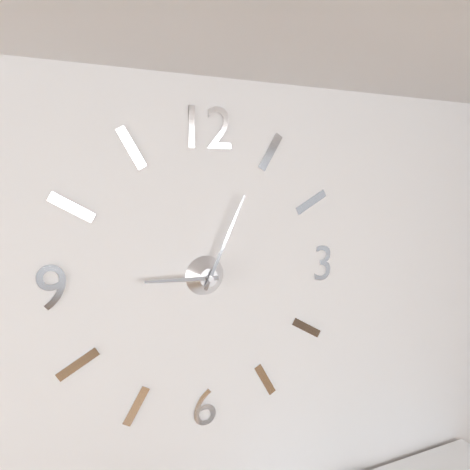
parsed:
9:04
